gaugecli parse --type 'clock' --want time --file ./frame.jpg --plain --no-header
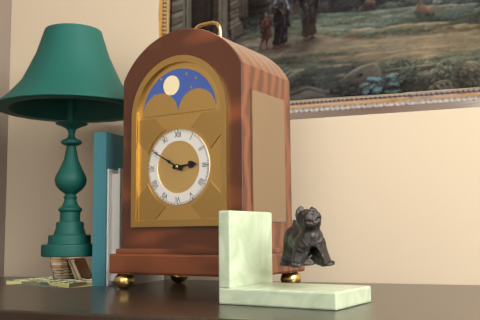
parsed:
2:50
